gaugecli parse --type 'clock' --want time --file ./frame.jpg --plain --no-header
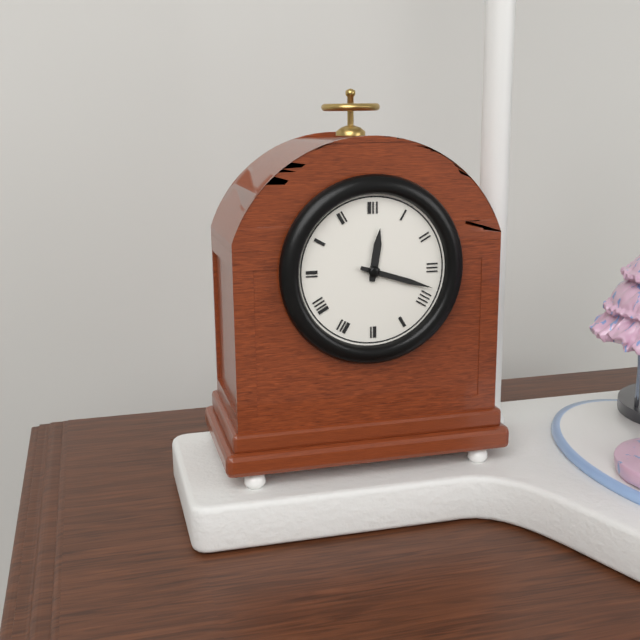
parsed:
12:18
